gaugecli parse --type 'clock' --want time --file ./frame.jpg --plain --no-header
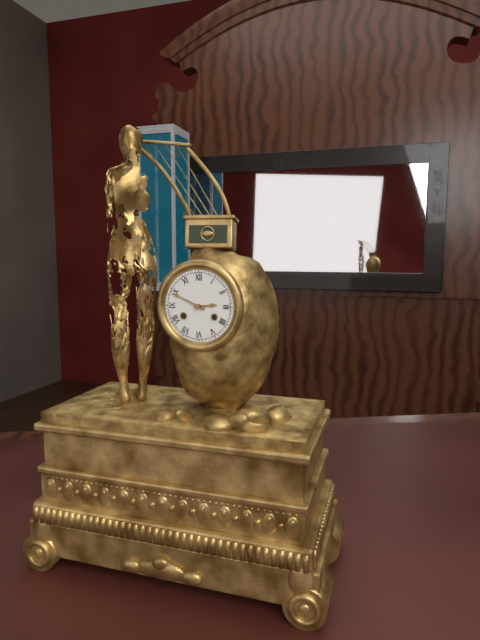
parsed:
2:49
